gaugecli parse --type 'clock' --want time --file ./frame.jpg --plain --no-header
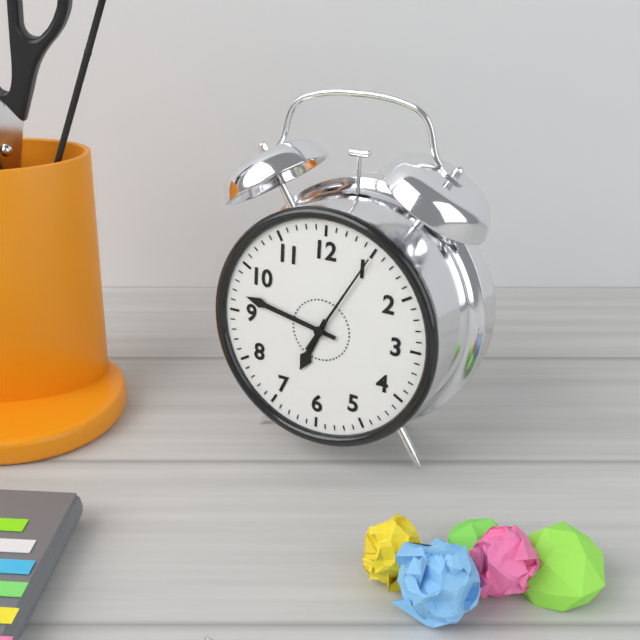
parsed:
6:47:05
